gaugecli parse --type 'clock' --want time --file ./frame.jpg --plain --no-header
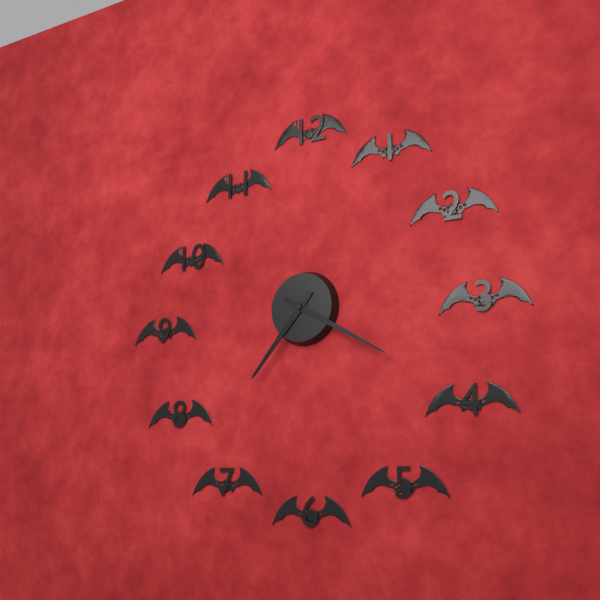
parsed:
7:20
